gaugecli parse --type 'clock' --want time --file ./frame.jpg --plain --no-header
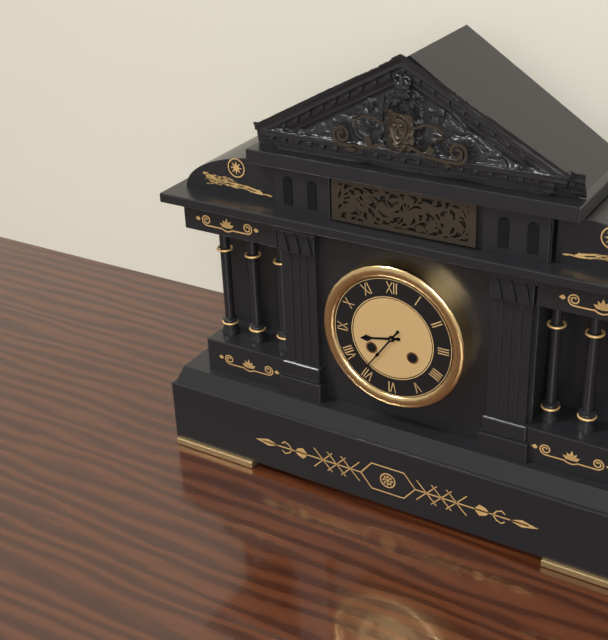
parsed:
8:36
